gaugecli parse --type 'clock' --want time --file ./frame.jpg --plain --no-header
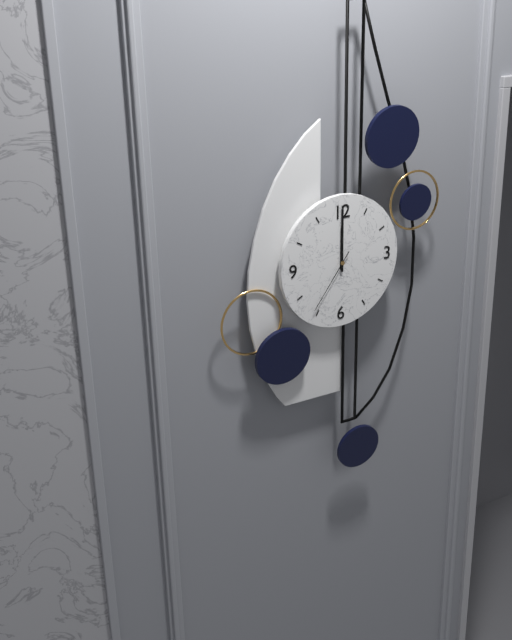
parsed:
12:00:36
